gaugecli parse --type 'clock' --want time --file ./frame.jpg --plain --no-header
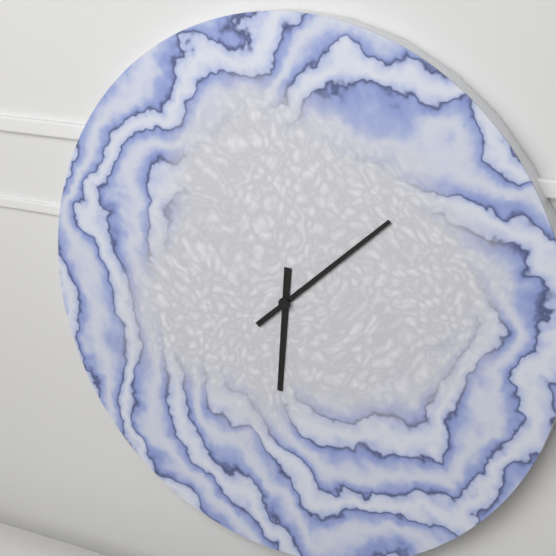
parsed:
6:08
